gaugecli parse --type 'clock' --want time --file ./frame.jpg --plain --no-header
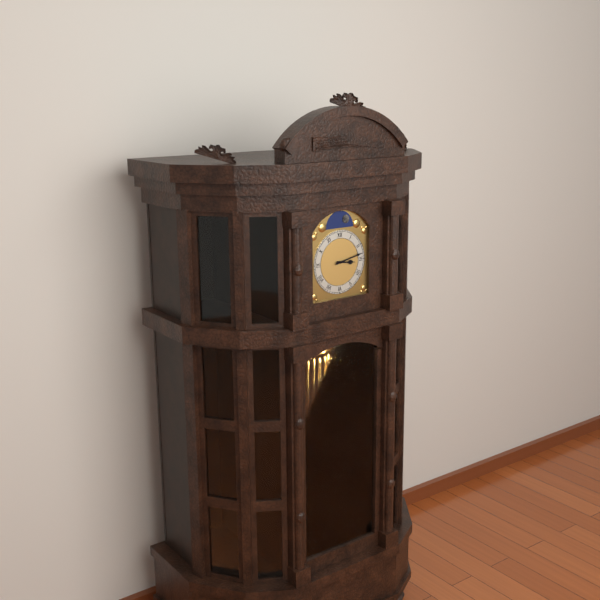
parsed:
3:13
